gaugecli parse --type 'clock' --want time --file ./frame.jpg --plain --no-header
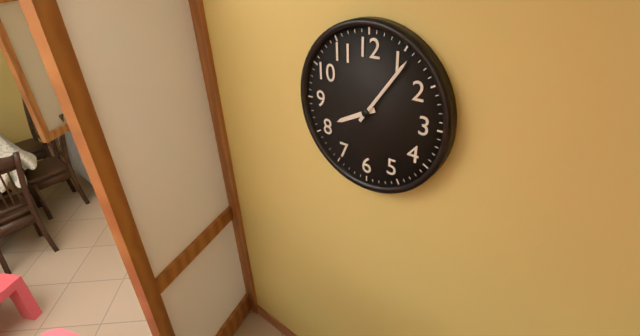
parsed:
8:06
